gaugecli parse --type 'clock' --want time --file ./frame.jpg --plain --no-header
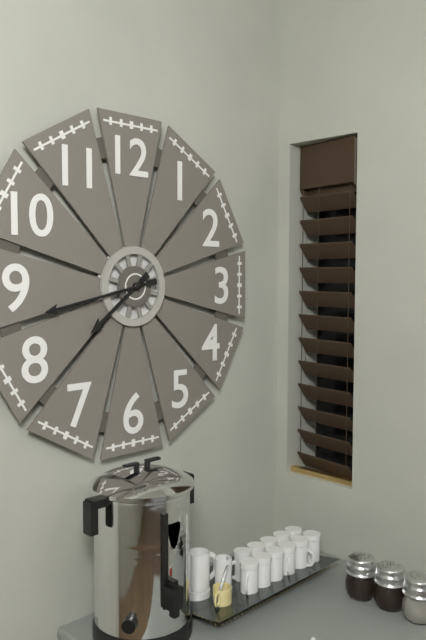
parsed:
7:43
